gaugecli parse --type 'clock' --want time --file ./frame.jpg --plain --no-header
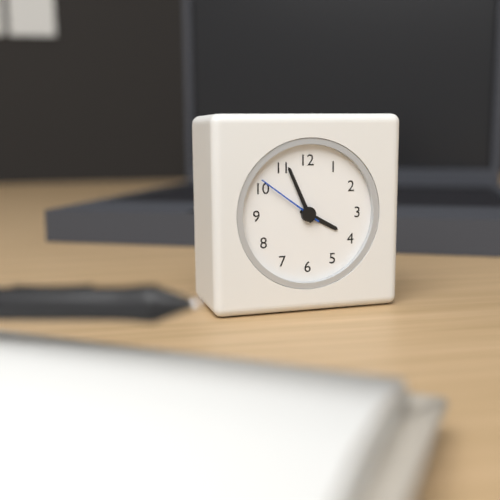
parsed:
3:56:51
